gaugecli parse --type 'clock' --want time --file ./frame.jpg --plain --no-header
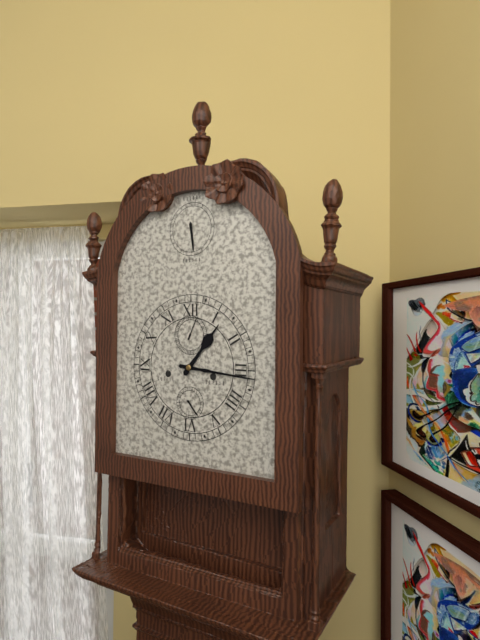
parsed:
1:16
